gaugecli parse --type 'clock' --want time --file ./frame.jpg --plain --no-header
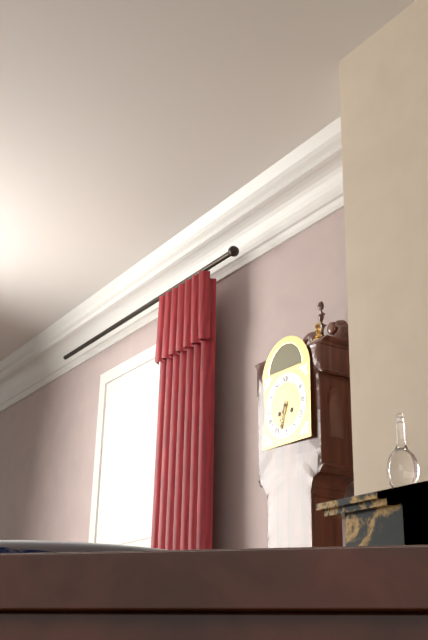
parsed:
6:34
